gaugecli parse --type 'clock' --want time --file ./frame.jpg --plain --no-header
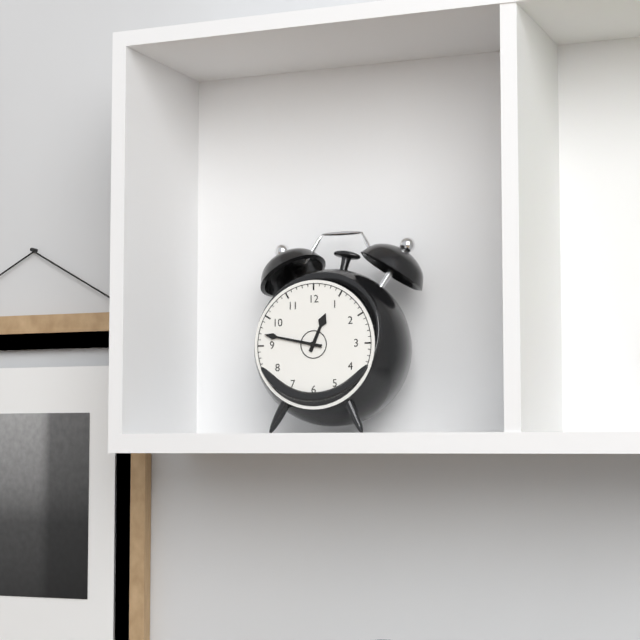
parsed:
12:47
